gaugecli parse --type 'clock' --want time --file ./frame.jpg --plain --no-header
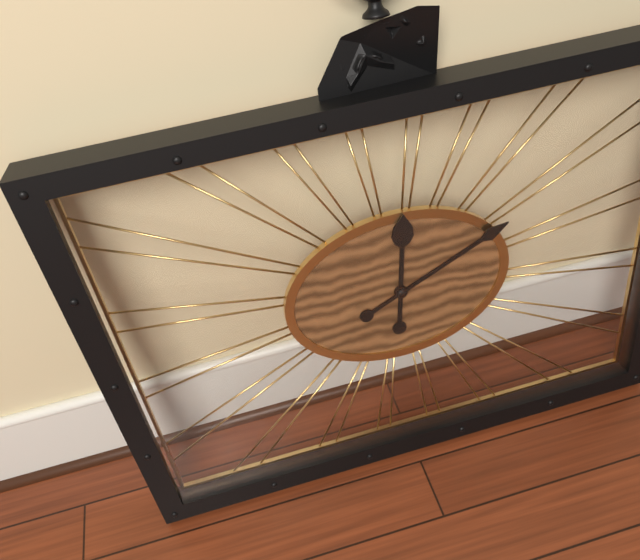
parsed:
12:11
